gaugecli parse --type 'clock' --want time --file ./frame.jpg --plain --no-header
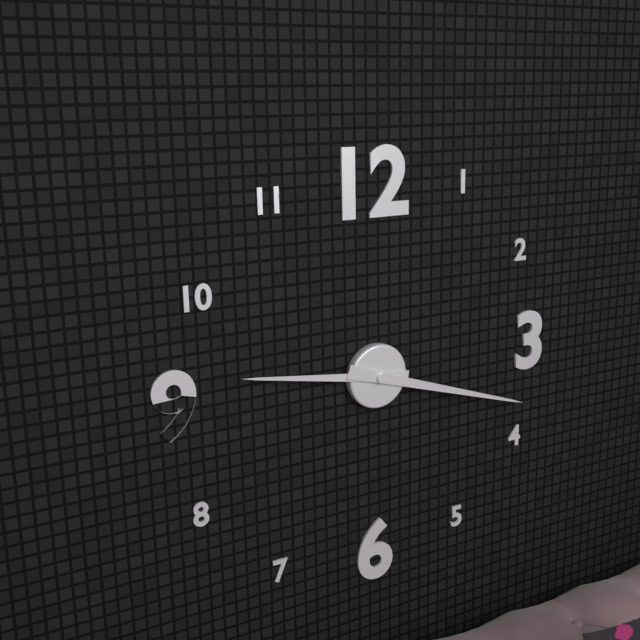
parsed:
9:18
